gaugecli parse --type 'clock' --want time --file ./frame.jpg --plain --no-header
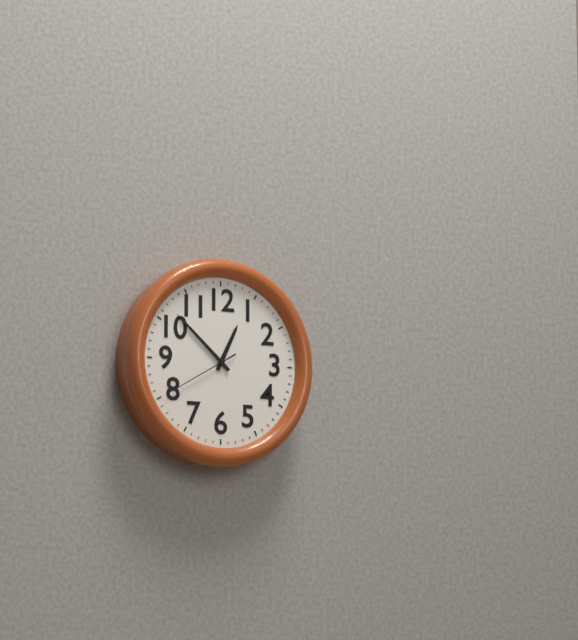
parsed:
12:52:40
